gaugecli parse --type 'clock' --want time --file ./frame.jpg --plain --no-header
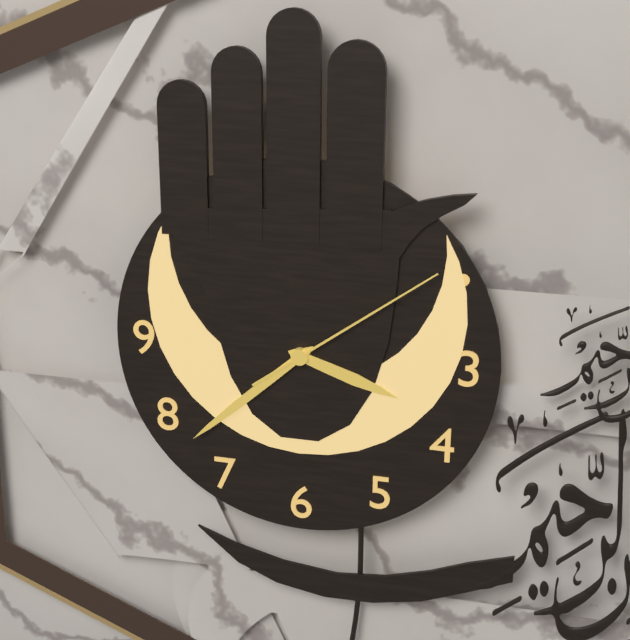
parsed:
3:38:09
